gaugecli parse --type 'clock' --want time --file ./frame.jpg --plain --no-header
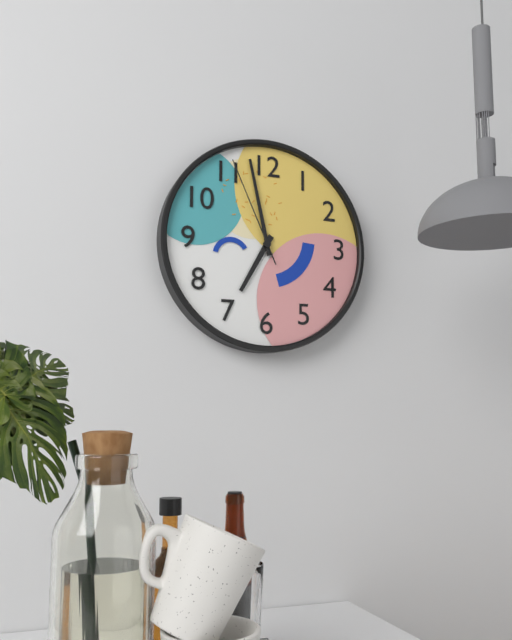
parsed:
6:58:56
